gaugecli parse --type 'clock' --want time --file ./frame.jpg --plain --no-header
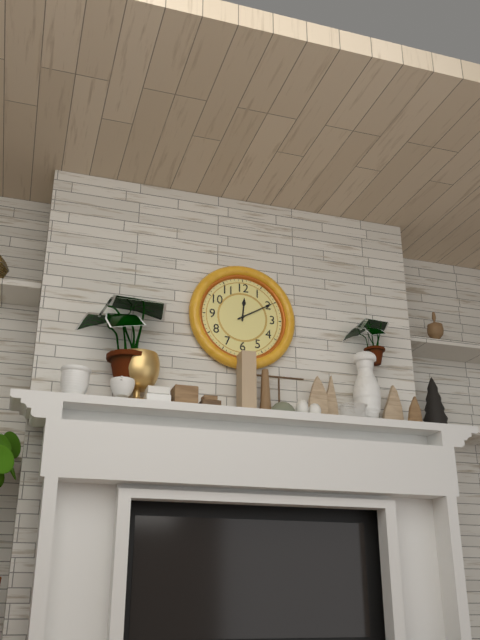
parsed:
12:10
